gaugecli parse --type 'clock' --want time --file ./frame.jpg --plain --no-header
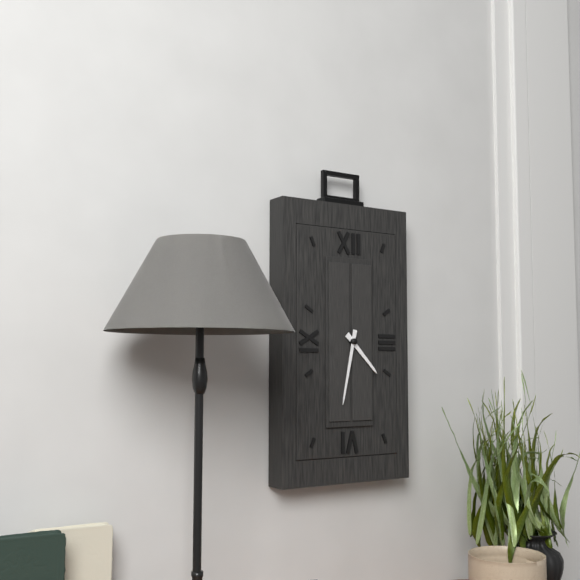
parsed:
4:32
